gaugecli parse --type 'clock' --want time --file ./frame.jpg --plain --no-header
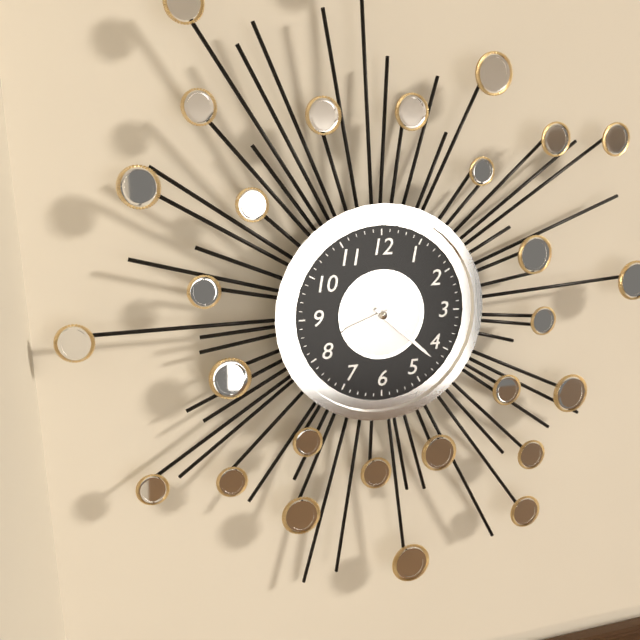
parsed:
8:22
